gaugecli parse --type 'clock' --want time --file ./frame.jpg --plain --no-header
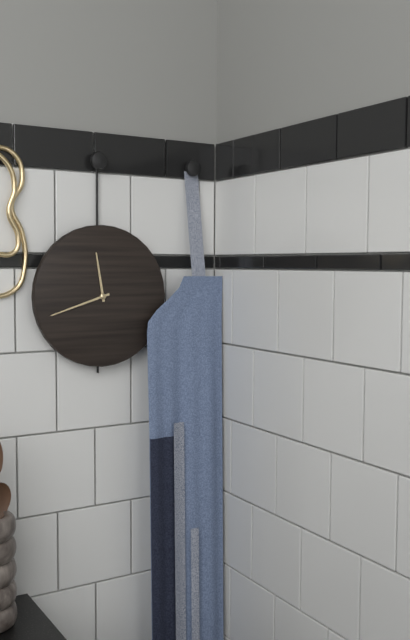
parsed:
11:42
